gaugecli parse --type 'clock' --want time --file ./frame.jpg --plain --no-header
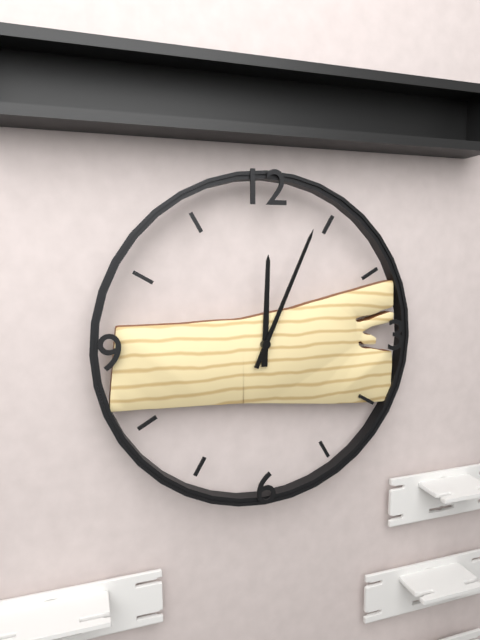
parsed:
12:04
